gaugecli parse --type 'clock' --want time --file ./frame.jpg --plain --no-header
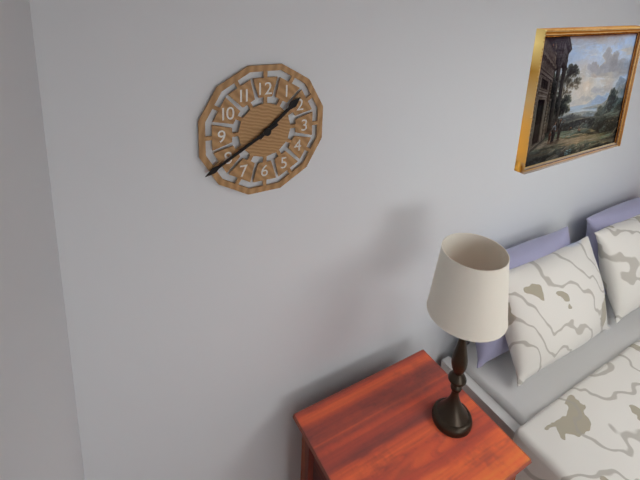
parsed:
1:40
